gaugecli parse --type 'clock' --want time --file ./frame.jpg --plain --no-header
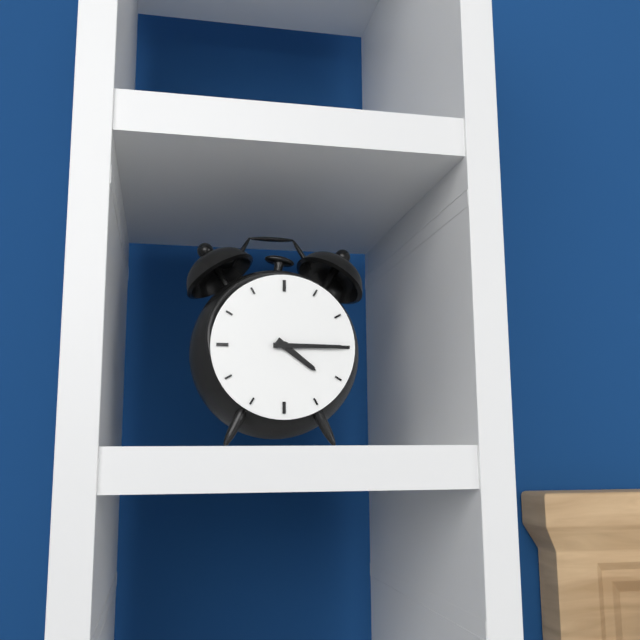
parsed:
4:15
